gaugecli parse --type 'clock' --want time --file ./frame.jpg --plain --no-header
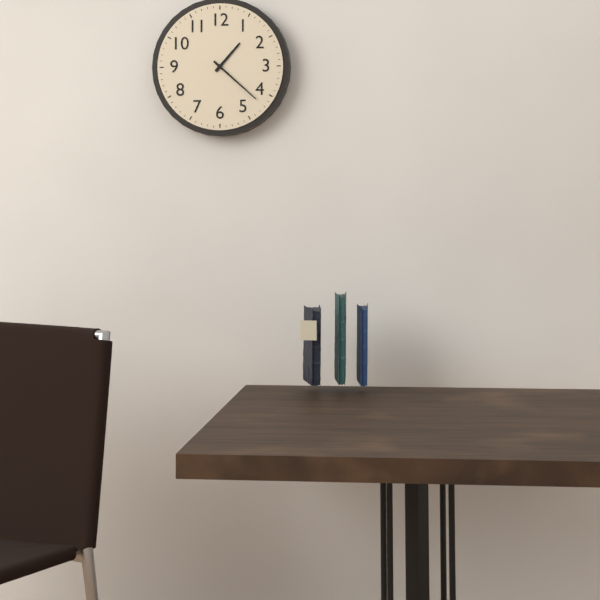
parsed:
1:22
